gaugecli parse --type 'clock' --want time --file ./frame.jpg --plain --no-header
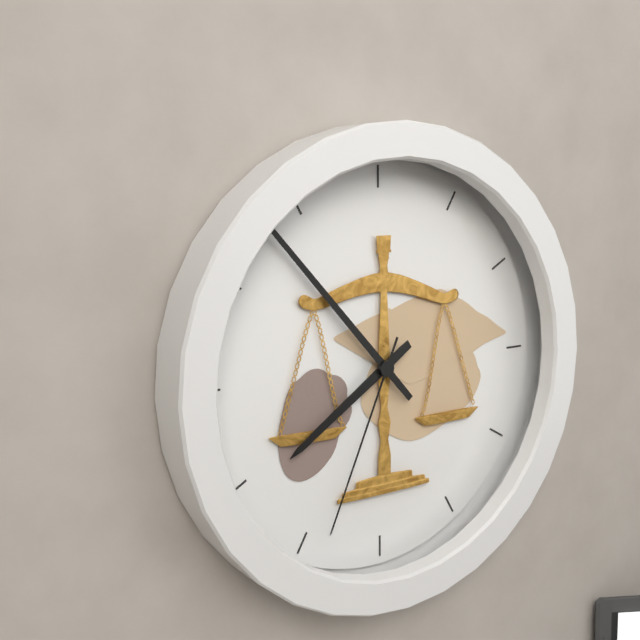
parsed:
7:53:34
